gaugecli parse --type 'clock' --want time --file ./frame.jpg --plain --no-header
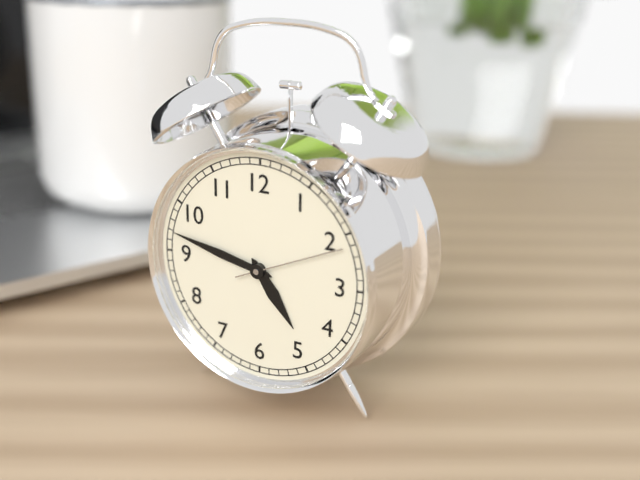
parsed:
4:47:11
